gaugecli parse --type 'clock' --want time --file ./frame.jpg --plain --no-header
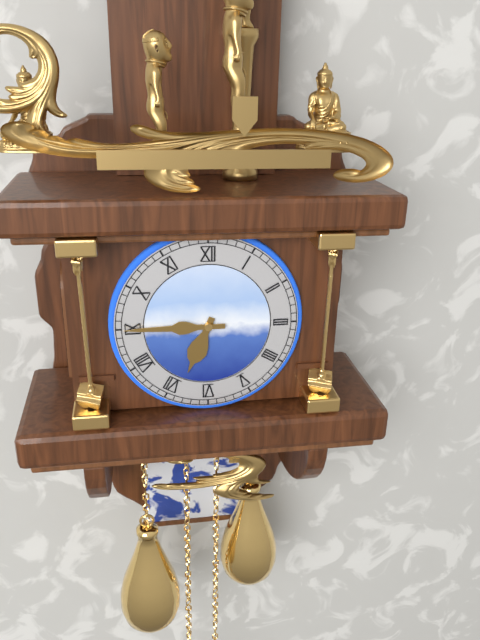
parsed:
6:45
